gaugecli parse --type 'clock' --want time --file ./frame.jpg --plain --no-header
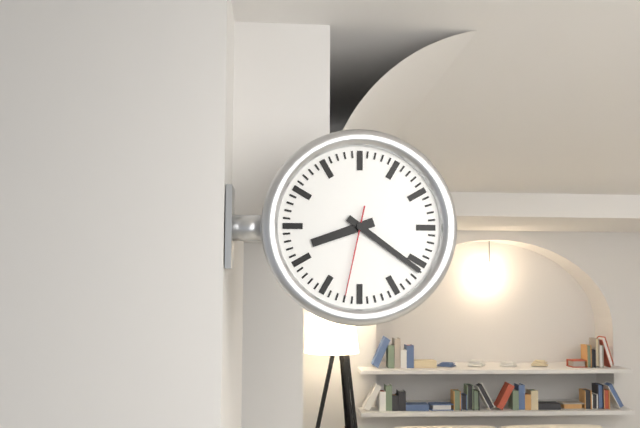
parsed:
8:21:32
